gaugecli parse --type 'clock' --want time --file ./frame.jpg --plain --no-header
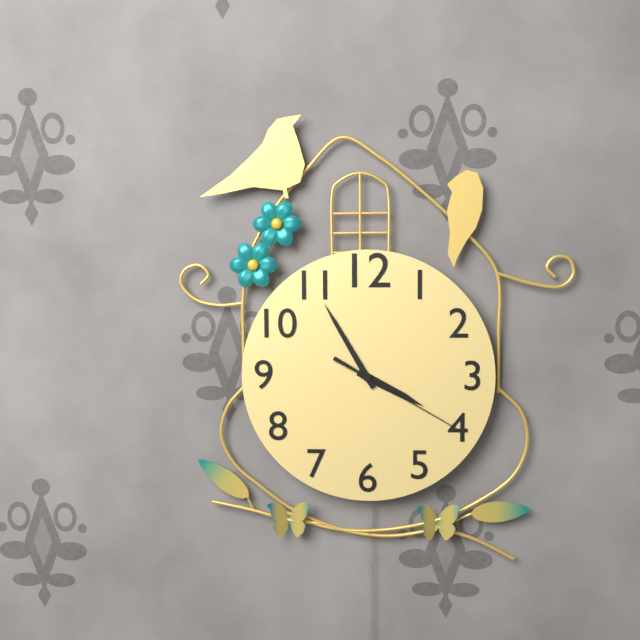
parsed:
3:55:20
